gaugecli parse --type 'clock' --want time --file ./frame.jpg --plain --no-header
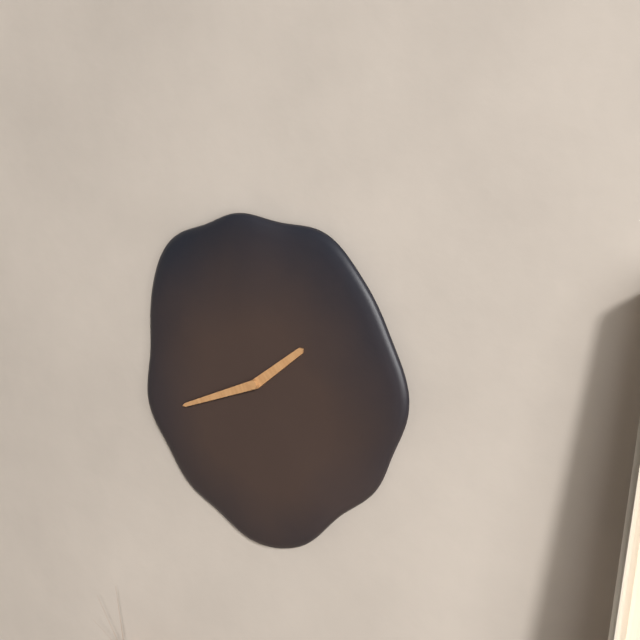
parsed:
1:41
